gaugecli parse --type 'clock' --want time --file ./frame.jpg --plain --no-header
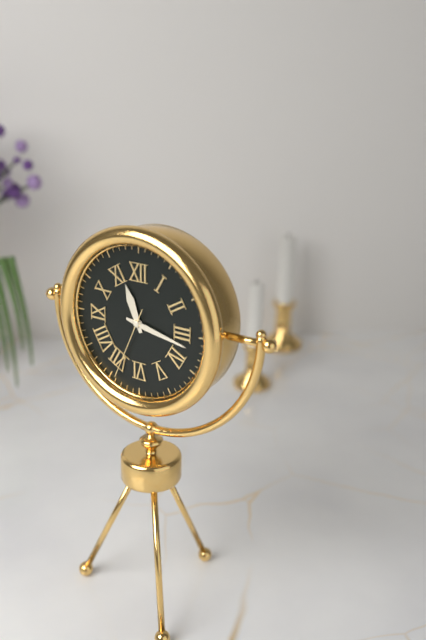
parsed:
11:17:34
